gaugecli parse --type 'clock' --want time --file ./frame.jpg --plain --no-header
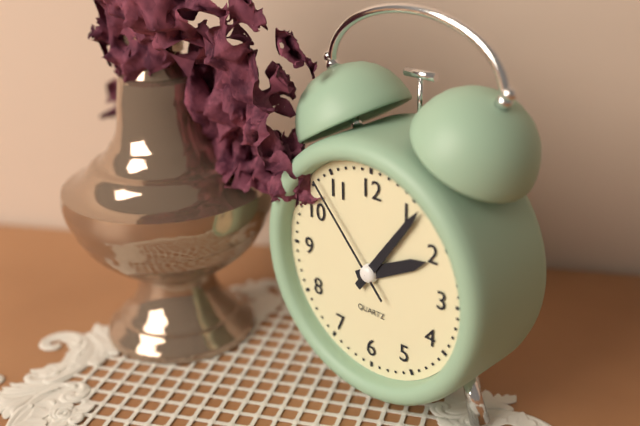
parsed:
2:06:53
